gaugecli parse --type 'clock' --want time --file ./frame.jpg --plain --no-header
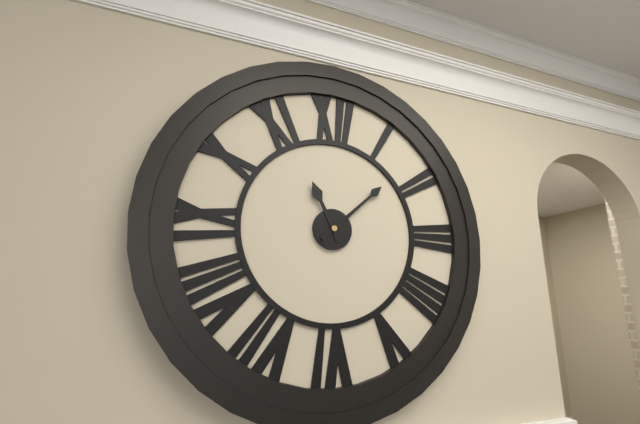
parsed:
11:08
